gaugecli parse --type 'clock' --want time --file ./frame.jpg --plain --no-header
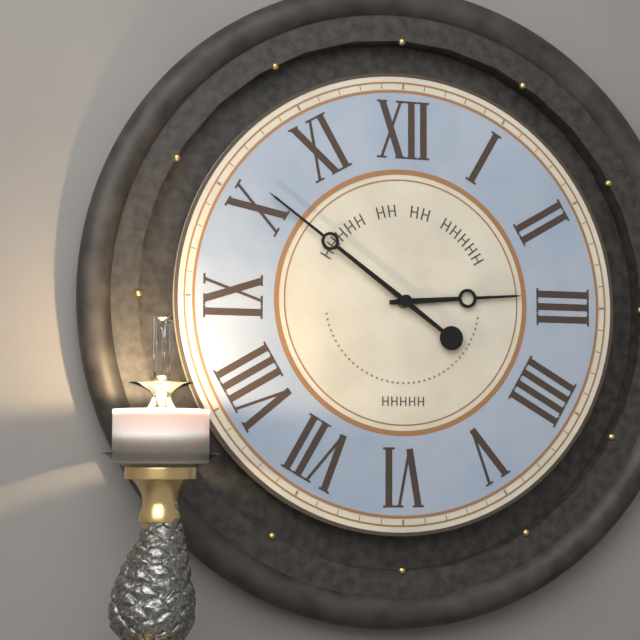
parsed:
2:51
